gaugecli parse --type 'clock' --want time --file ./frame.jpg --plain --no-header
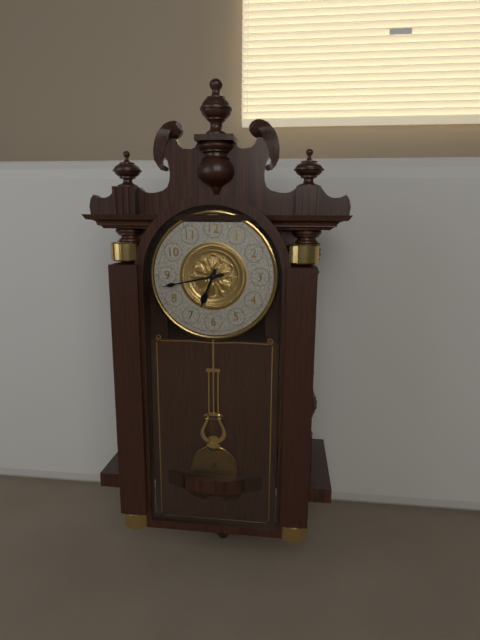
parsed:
6:43
